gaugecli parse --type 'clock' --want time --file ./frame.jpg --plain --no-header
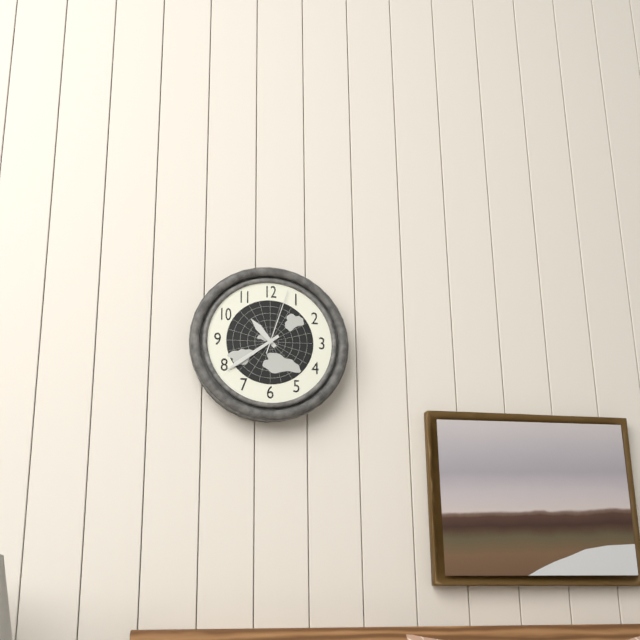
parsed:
10:39:03
